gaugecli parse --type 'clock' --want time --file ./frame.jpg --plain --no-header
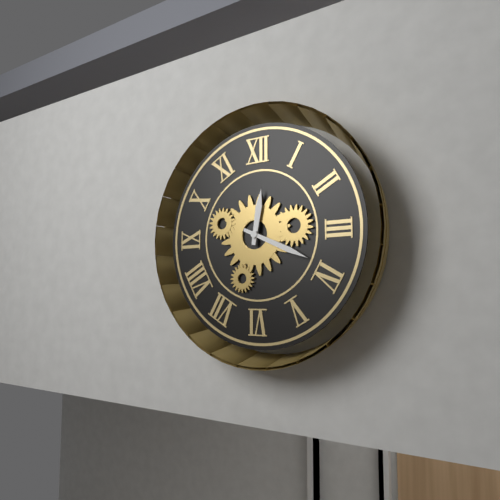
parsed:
12:19
